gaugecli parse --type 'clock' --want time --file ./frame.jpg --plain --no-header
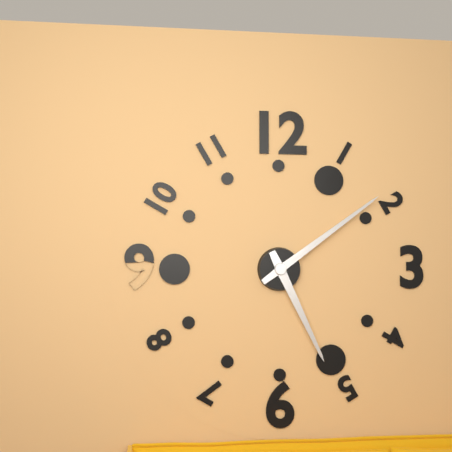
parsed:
5:09
